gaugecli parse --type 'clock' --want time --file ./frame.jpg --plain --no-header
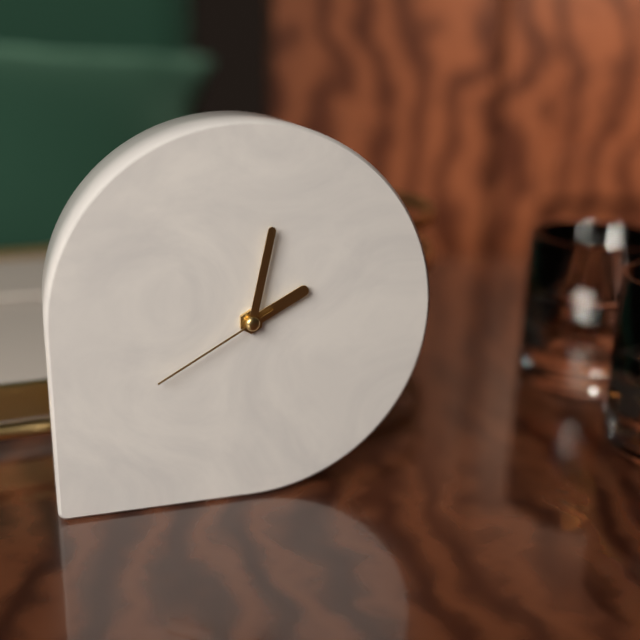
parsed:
2:02:40
